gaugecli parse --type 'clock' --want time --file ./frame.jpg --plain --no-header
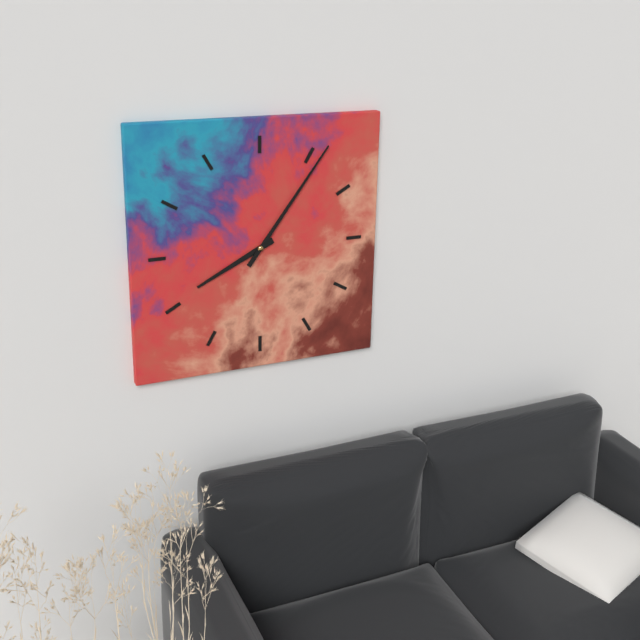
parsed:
8:06
